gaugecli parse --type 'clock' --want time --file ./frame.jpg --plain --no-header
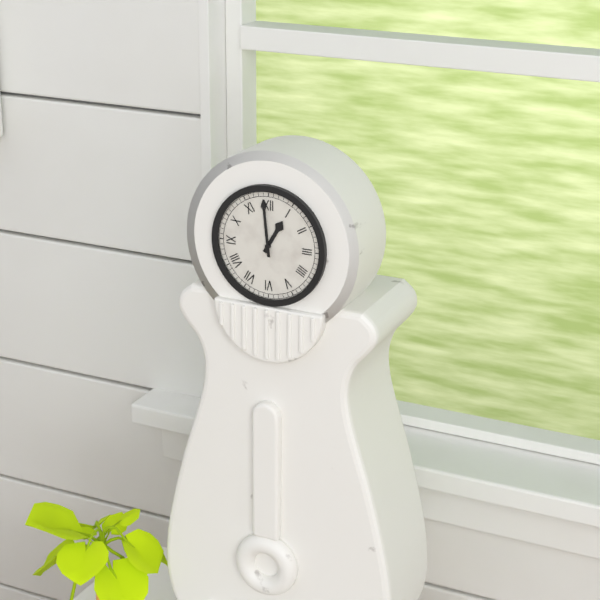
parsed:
12:59
